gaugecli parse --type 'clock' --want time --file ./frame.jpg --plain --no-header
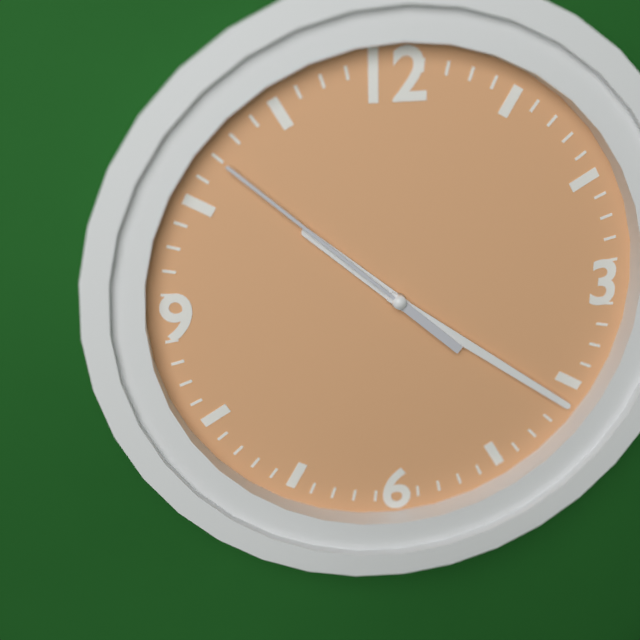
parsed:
10:21:52
